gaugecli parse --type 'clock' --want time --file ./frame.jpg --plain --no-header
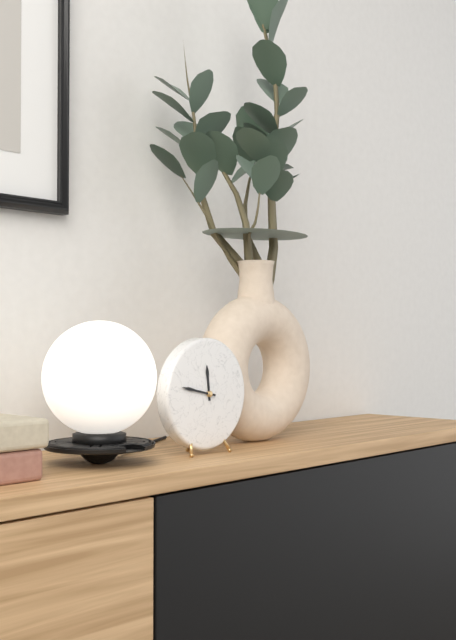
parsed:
11:47
